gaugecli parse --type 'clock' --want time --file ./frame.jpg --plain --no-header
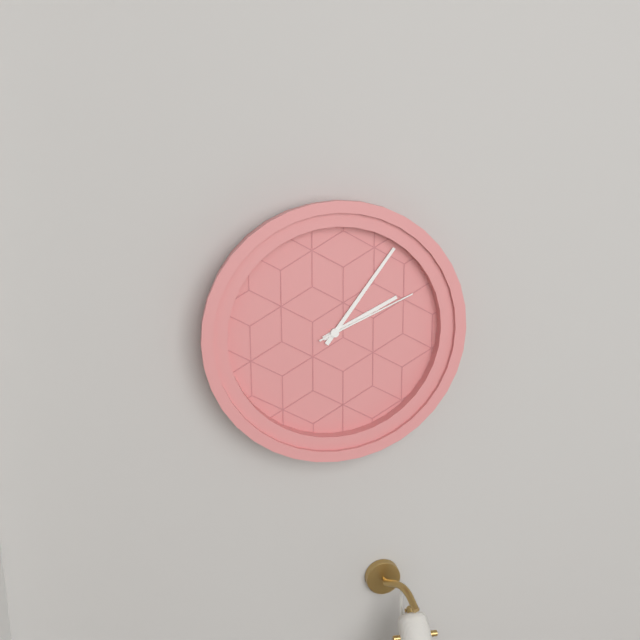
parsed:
2:06:11
